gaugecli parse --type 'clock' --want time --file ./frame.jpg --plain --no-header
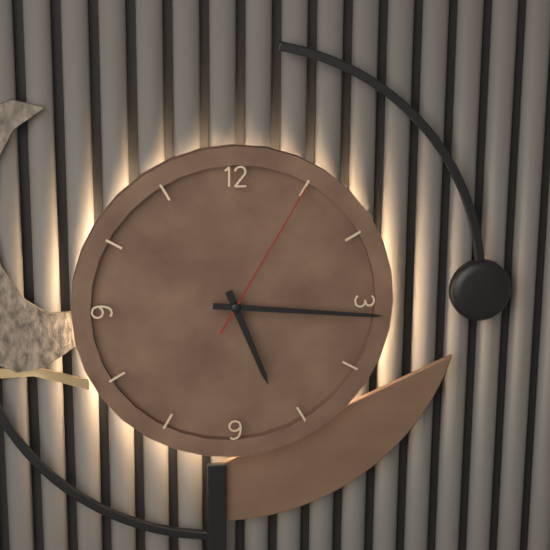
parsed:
5:16:05
